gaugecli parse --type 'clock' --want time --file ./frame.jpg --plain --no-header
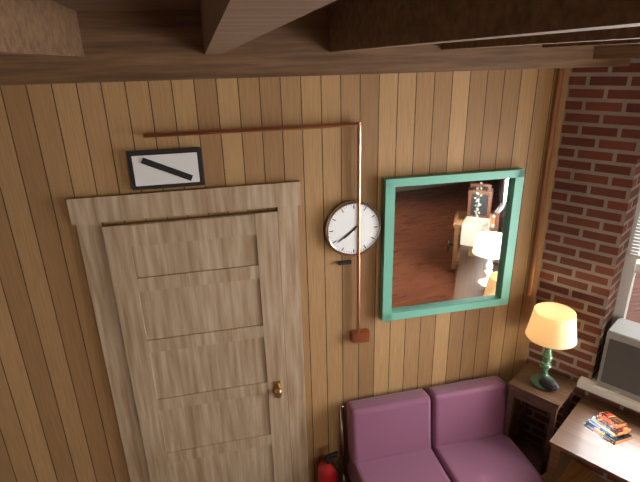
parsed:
7:39
